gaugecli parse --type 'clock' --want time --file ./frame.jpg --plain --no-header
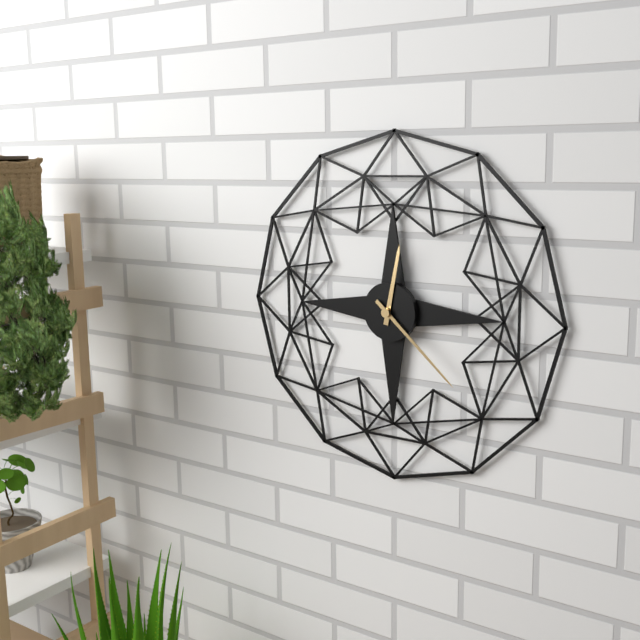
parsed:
12:22
